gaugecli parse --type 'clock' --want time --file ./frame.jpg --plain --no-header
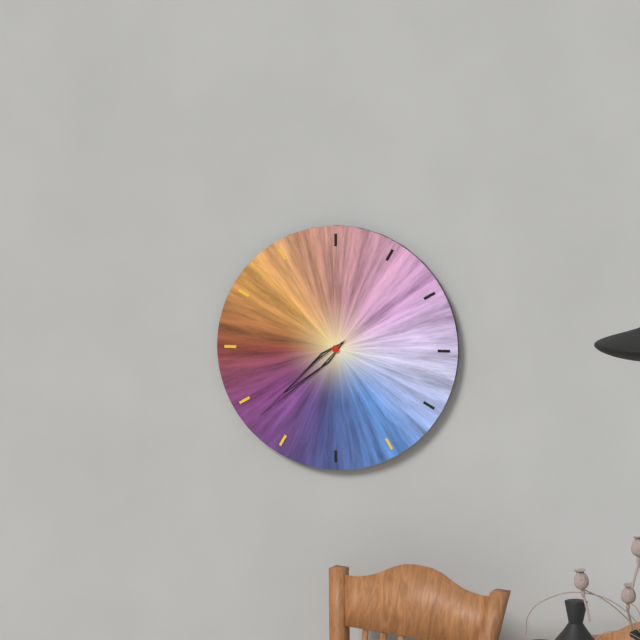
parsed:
7:38
